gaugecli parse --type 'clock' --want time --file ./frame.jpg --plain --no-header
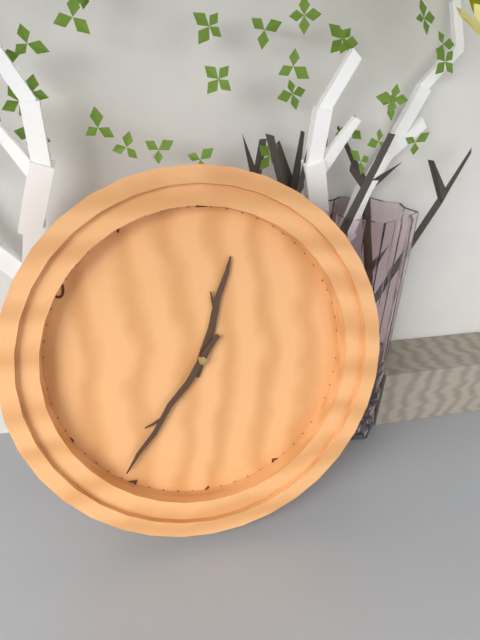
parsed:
12:36
